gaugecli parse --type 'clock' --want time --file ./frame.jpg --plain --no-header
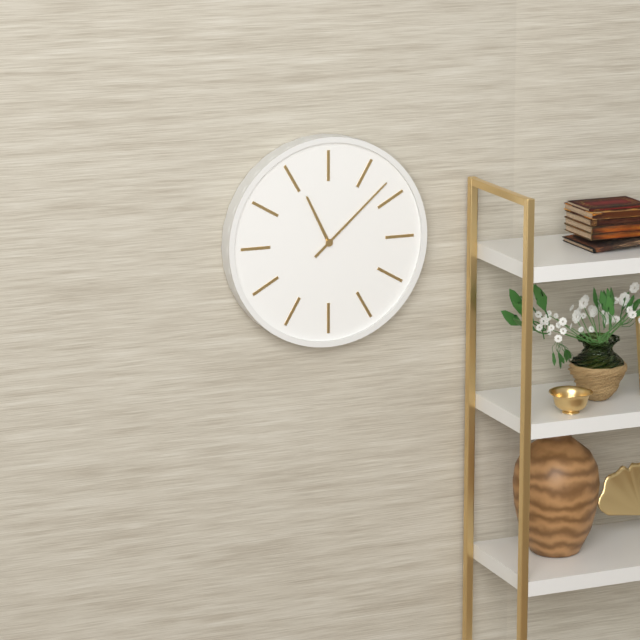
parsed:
11:08
